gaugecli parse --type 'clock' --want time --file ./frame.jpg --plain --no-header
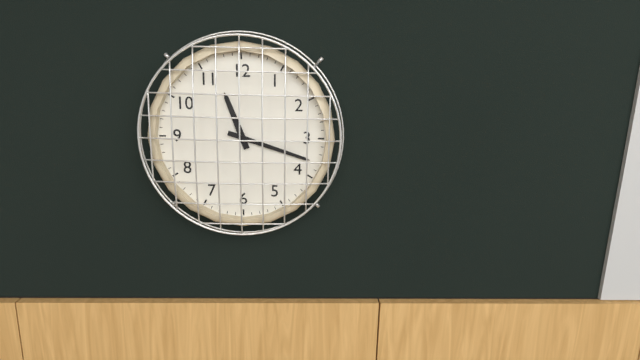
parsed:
11:18
